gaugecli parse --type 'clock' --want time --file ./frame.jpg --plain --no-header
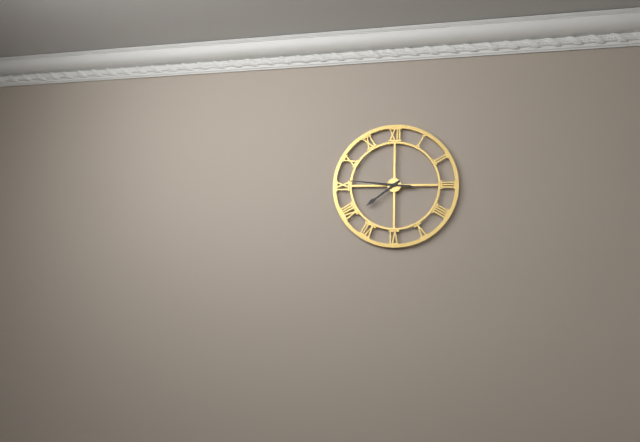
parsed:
7:46
